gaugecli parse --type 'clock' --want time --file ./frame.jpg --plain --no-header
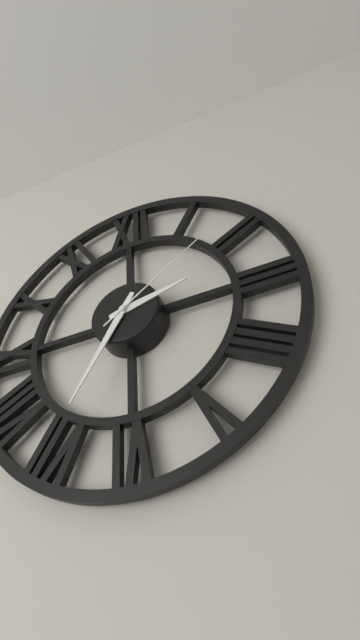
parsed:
2:35:09
